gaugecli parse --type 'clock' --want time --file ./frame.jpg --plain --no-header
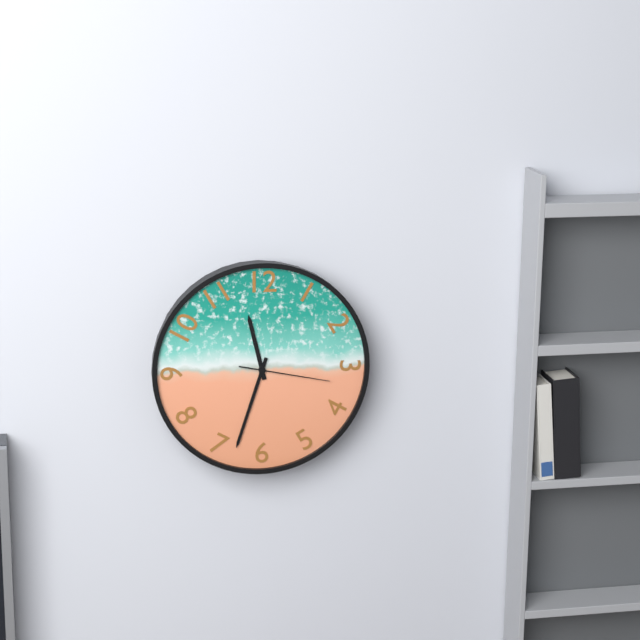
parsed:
11:33:17
